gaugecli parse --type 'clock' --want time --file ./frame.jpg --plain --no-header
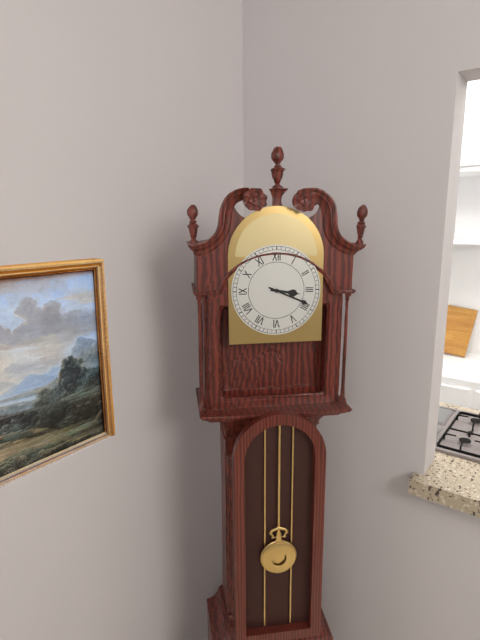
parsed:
3:19
